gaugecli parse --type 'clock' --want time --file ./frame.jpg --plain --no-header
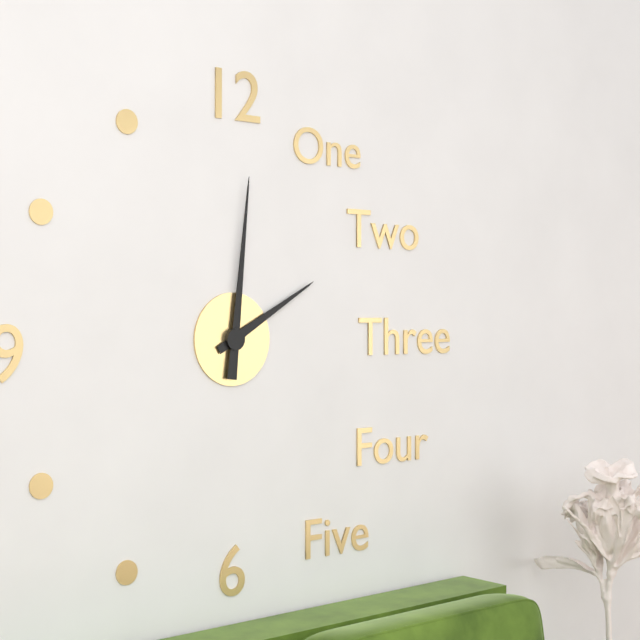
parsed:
2:01
